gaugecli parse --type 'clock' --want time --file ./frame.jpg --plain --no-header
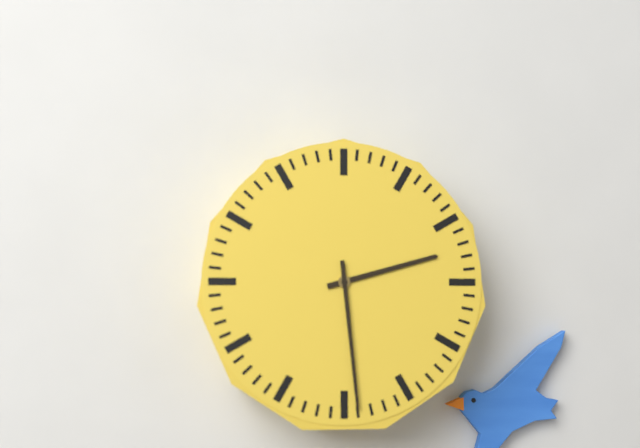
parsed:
2:29
